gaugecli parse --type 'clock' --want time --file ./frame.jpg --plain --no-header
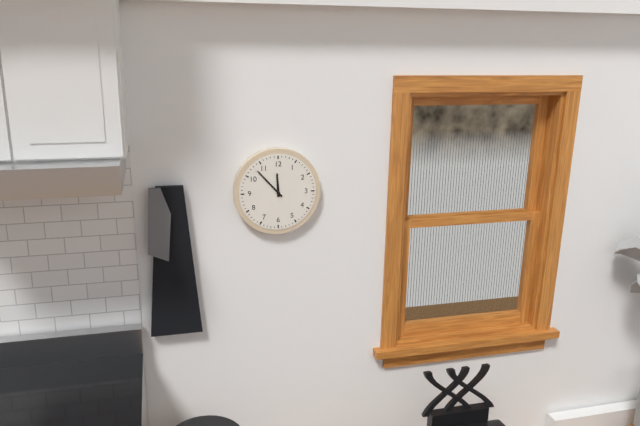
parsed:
11:53
